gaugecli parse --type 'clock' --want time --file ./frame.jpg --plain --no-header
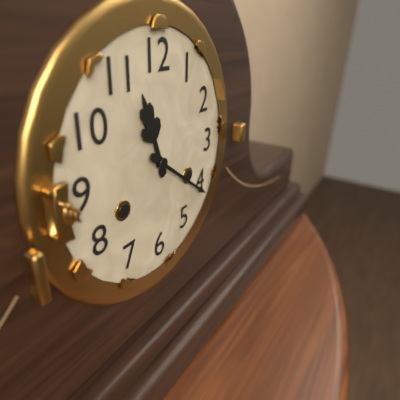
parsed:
11:21
